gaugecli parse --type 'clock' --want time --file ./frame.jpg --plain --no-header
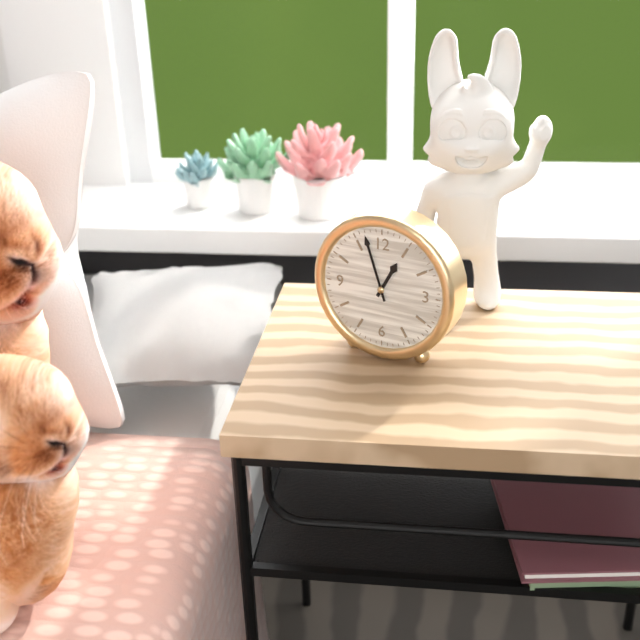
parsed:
12:57
